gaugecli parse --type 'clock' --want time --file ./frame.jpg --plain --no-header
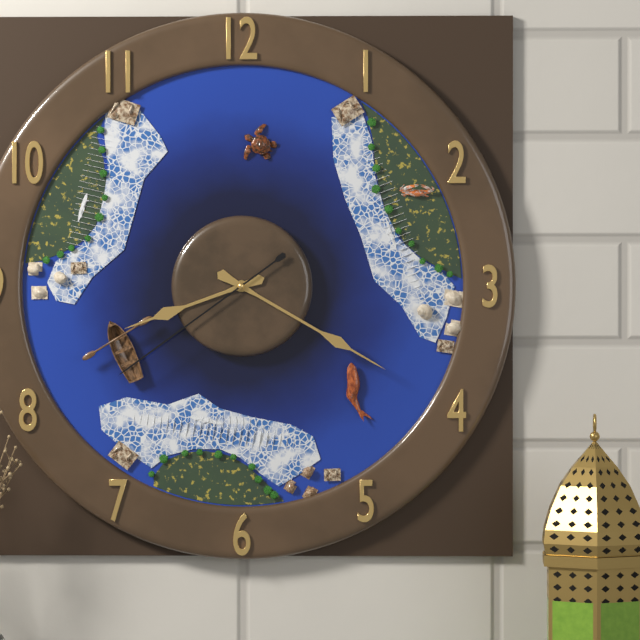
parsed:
8:20:39
